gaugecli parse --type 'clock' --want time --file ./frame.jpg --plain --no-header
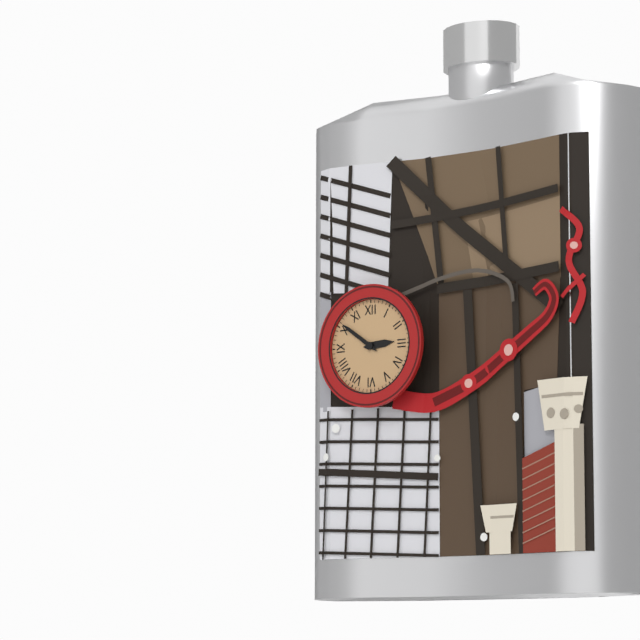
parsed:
2:51
